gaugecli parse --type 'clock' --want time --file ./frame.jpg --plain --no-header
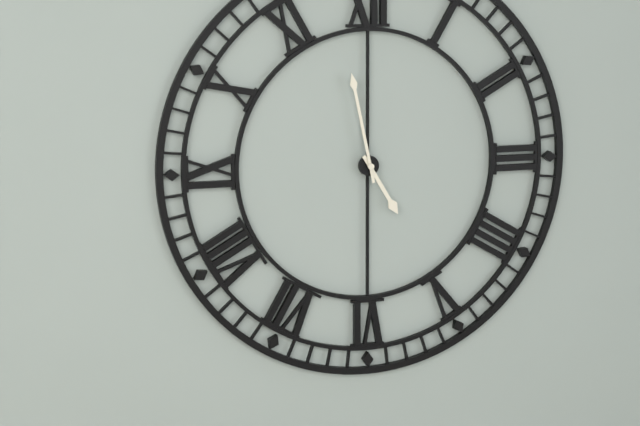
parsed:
4:58
